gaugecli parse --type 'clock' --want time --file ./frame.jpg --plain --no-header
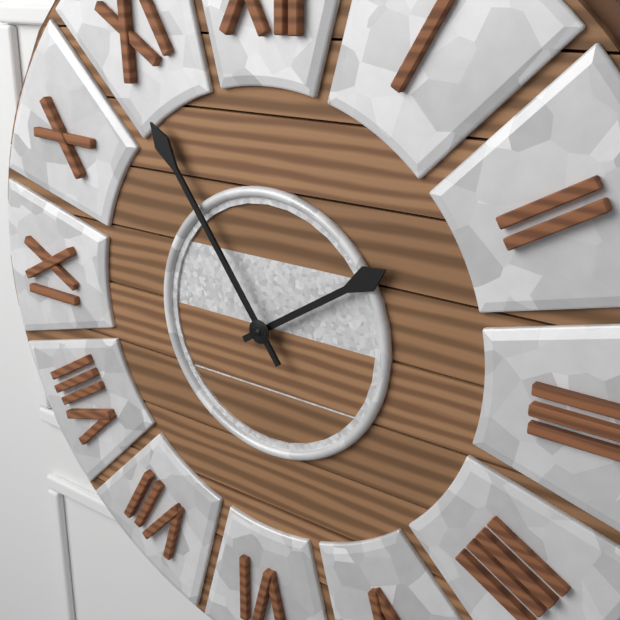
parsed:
1:54
